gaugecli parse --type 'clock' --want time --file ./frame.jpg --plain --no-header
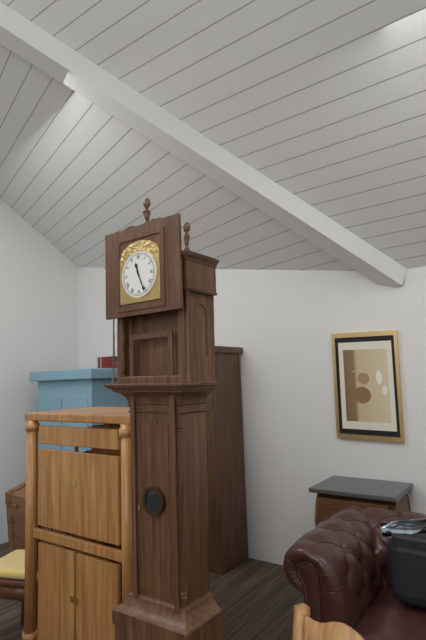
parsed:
11:26
